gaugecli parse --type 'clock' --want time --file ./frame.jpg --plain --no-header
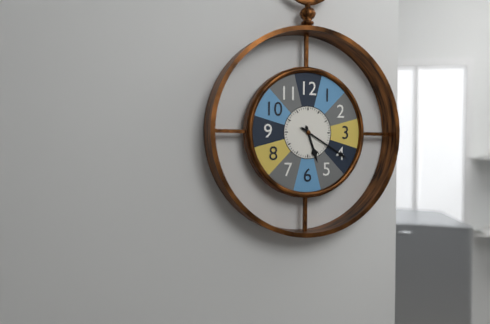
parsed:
5:20
